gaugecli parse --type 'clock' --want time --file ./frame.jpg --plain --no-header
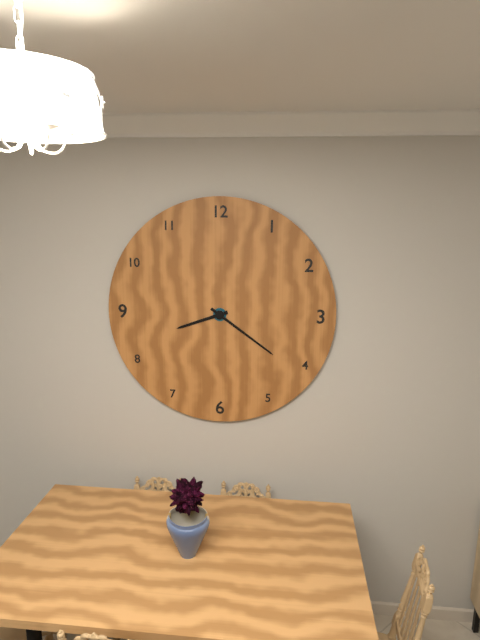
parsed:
8:21
